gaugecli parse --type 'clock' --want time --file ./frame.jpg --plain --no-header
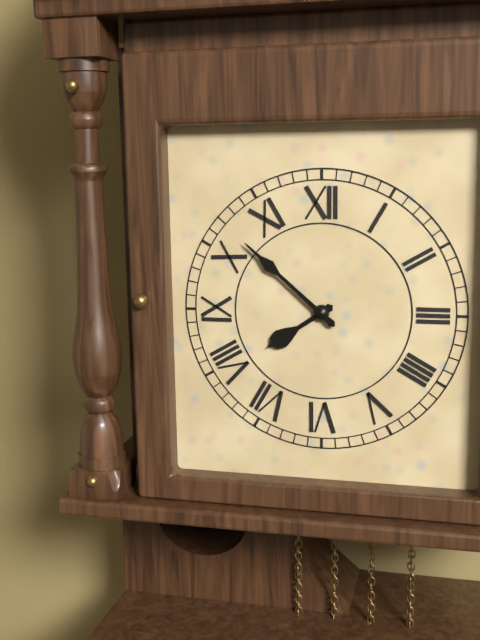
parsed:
7:52
